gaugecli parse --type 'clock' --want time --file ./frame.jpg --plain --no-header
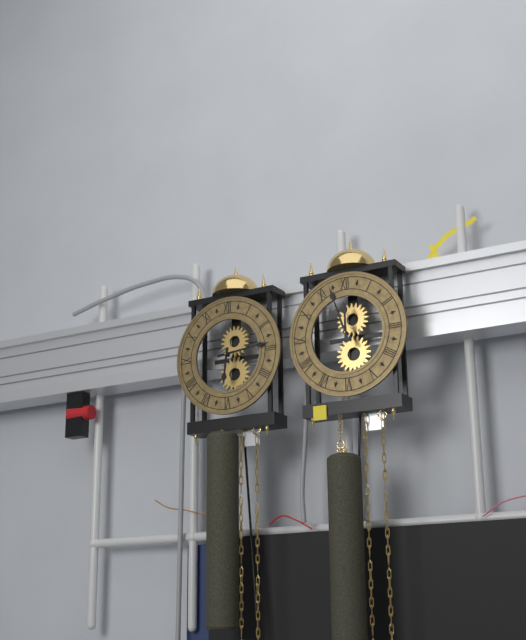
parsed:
6:14
